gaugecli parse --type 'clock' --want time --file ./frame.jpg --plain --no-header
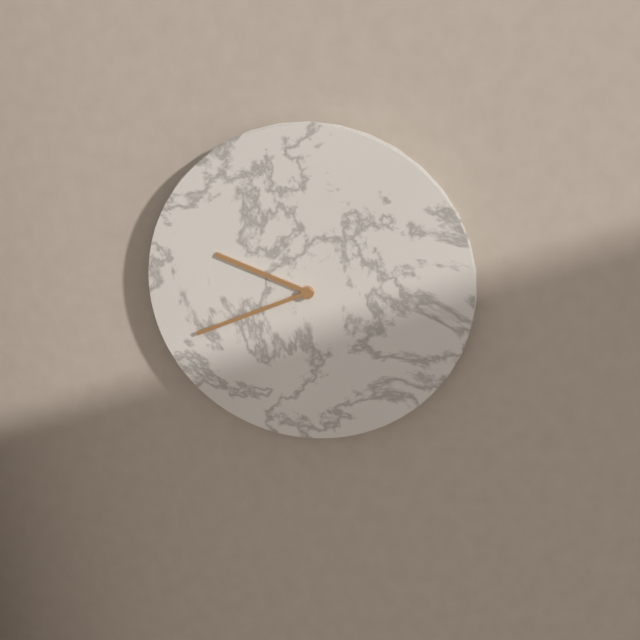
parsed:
9:41
